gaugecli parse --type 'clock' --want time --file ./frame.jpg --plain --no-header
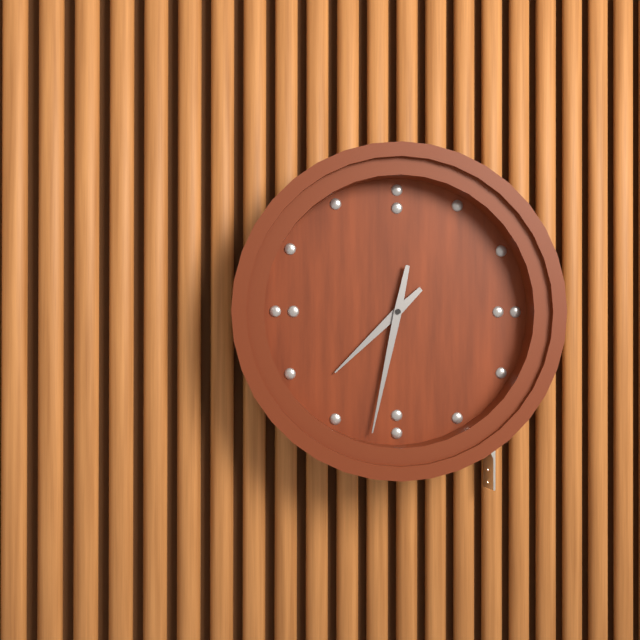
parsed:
7:32
